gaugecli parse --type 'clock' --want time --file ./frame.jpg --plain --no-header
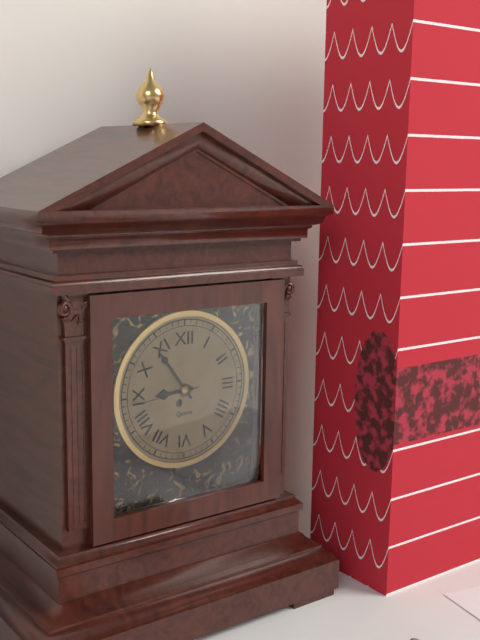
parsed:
8:54:44
